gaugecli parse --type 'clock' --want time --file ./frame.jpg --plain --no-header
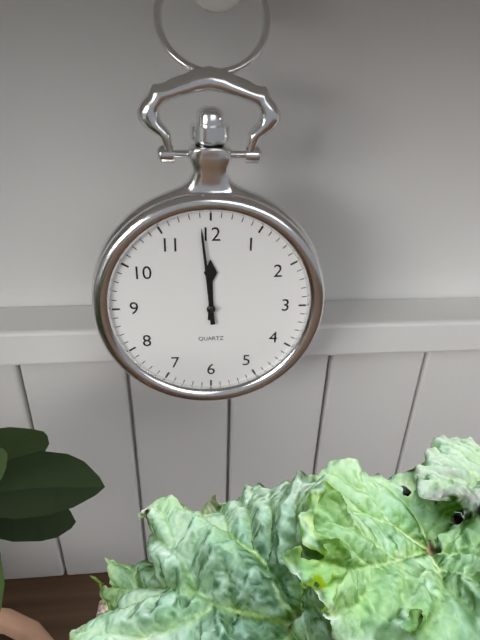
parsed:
11:59
